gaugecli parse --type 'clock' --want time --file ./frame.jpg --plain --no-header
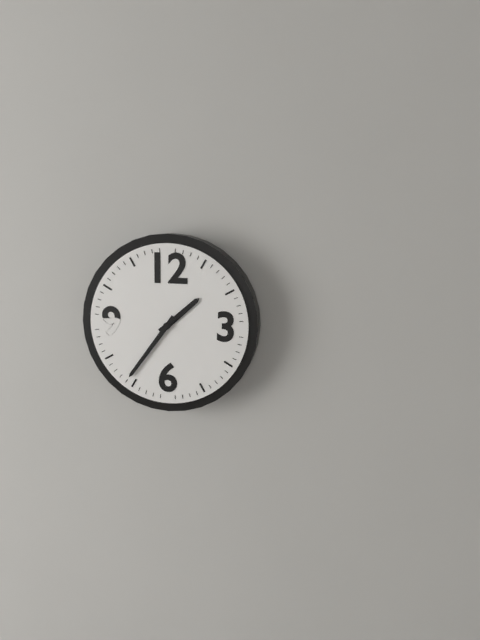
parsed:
1:36
